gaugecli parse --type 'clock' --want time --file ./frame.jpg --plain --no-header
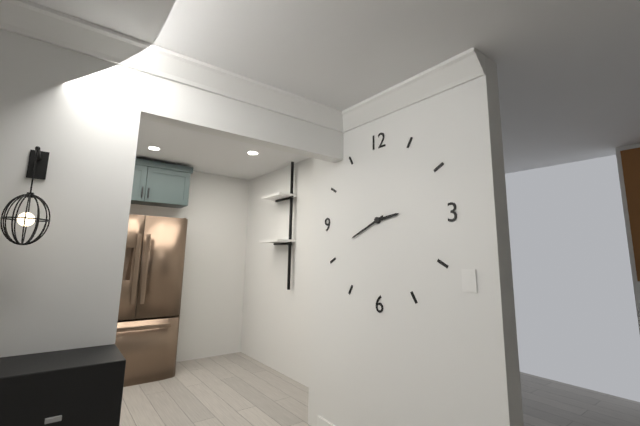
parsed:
2:41
